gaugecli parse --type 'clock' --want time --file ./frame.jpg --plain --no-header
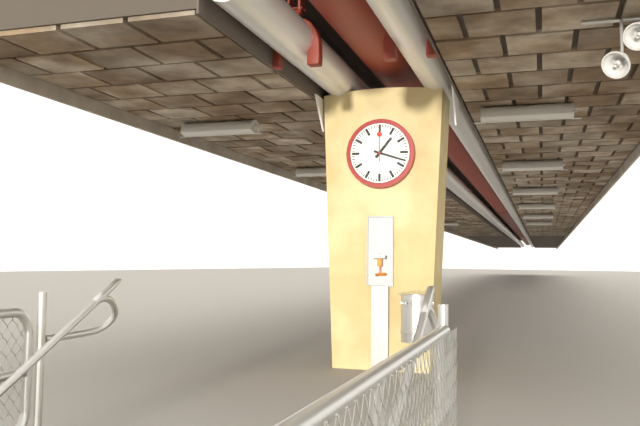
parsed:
1:18
